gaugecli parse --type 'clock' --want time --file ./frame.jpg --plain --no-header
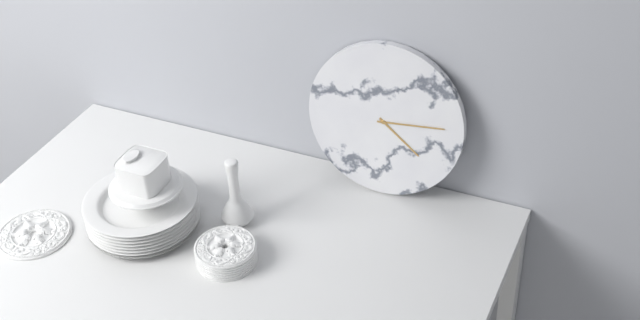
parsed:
4:14
